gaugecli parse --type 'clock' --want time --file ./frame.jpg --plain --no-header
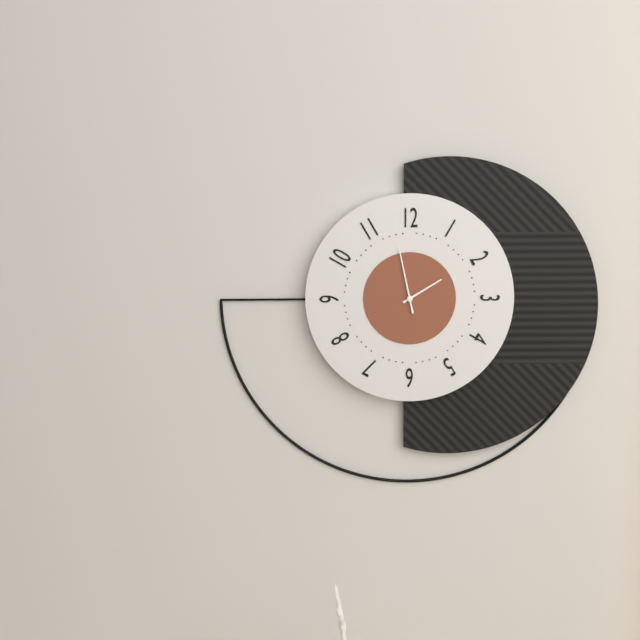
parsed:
1:58
